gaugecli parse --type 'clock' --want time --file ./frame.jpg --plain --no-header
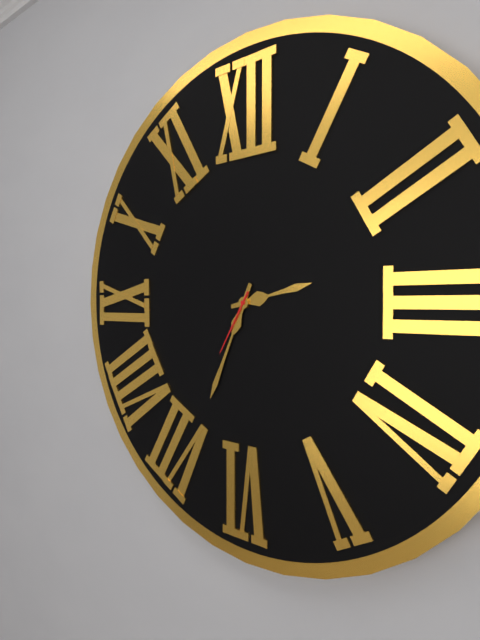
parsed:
2:34:35
